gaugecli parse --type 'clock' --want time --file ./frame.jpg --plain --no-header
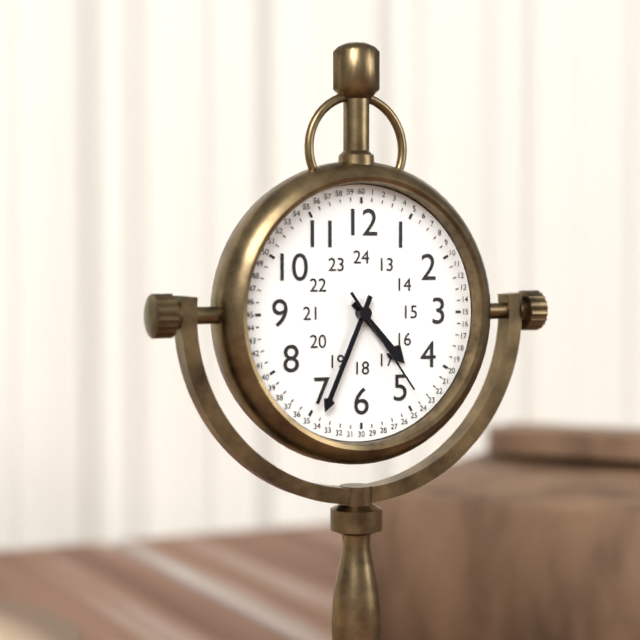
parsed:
4:34:24
